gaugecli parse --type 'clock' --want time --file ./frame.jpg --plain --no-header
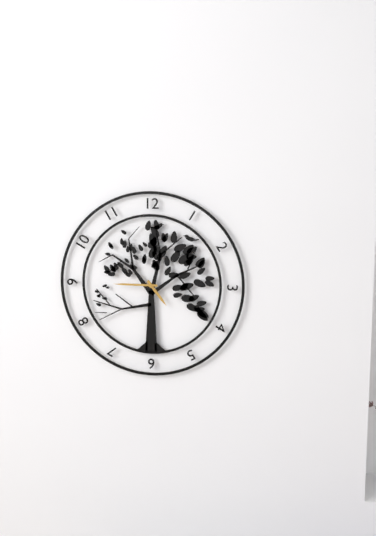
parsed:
4:45
